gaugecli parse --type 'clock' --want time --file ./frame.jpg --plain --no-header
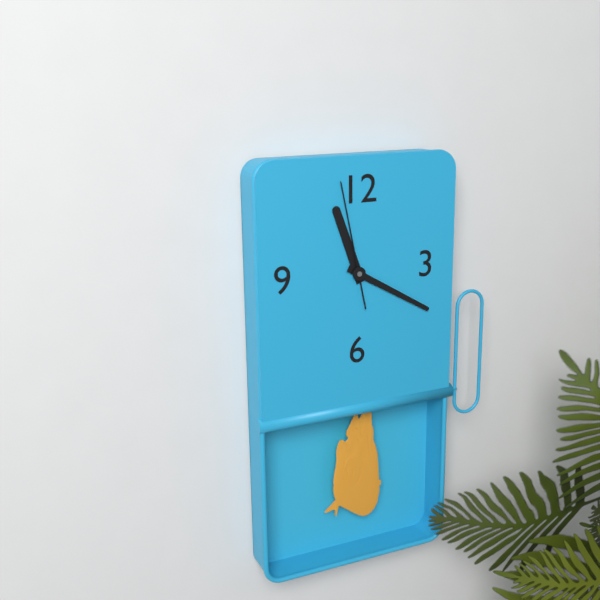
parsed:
11:20:58
